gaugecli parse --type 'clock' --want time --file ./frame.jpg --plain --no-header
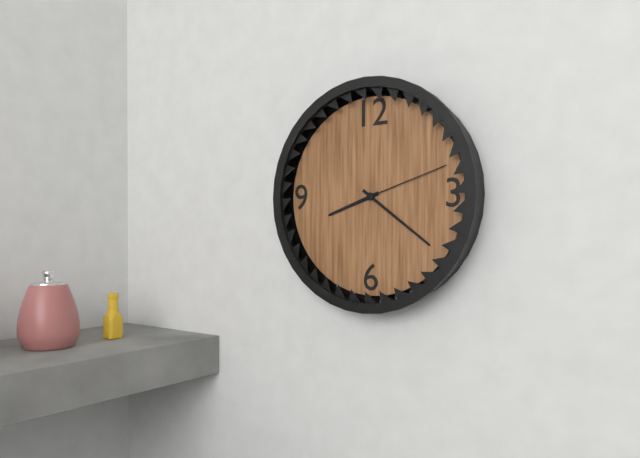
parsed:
8:21:12
